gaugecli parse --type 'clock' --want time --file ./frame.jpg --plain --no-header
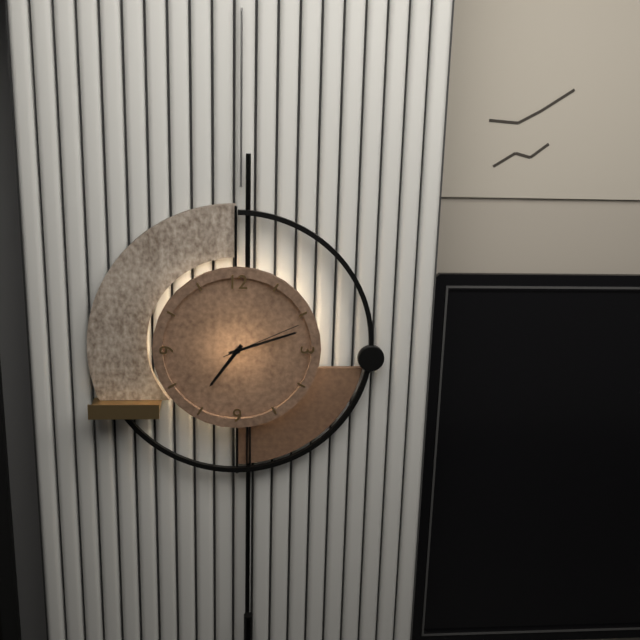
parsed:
7:12:11
